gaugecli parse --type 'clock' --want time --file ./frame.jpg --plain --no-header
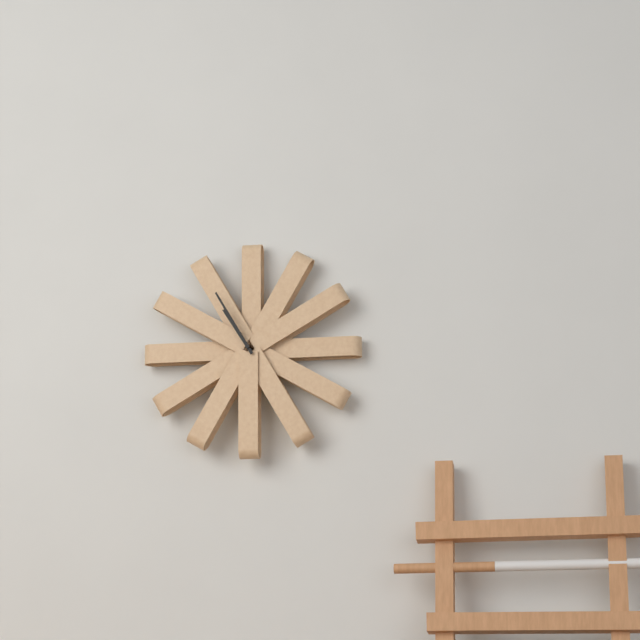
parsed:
10:55
